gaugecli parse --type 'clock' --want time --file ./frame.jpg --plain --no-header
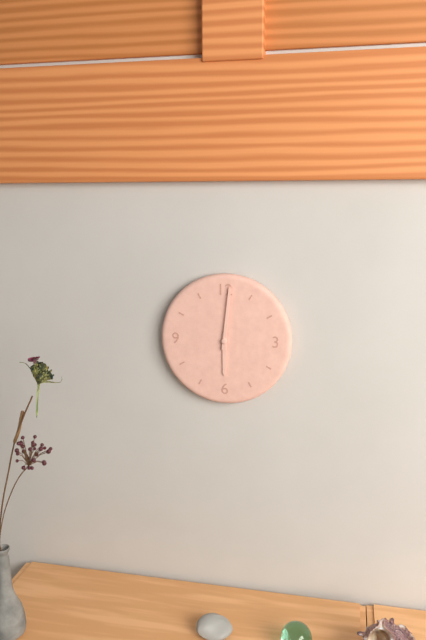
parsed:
6:01
